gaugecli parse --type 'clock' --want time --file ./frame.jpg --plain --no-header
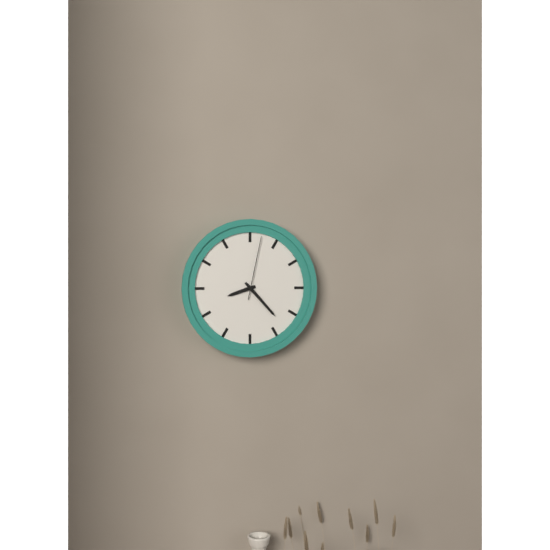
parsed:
8:23:02
